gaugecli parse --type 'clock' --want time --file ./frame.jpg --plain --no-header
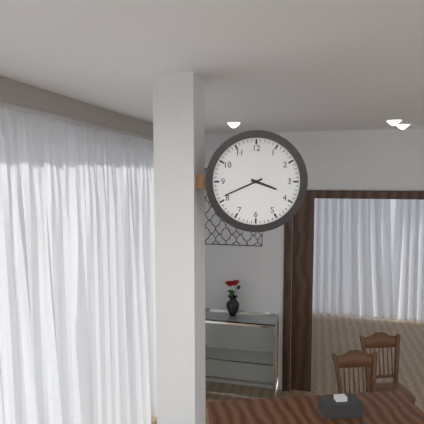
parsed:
3:41
